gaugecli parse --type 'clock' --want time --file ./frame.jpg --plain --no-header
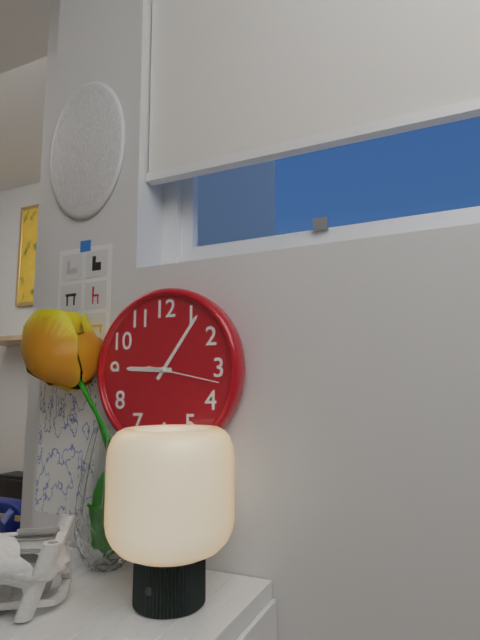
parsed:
9:06:17
